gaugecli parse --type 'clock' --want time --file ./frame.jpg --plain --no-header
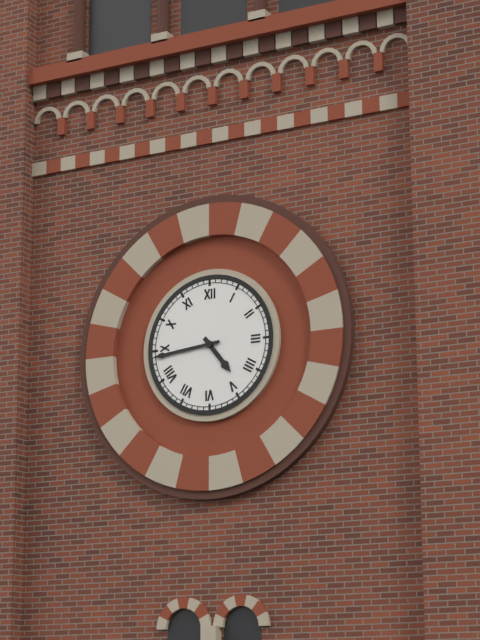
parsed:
4:44
